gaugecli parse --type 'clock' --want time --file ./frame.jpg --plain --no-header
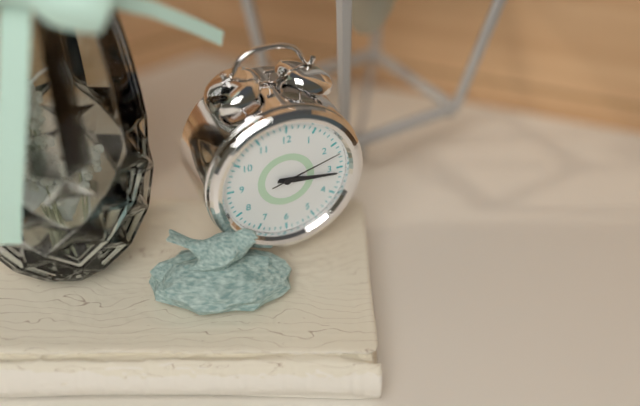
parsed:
3:16:12
